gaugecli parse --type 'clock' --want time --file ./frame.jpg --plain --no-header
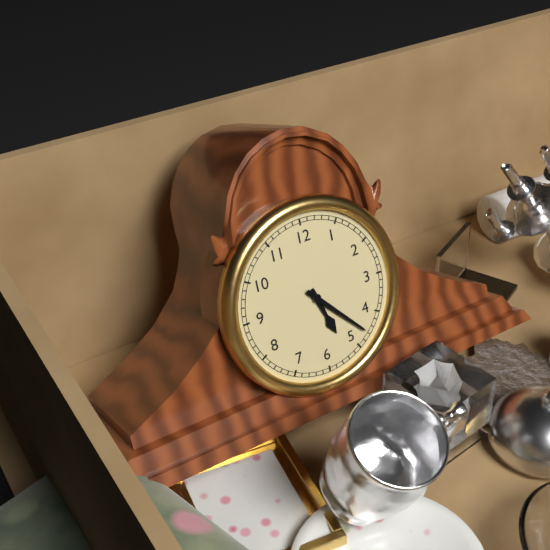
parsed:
5:23
